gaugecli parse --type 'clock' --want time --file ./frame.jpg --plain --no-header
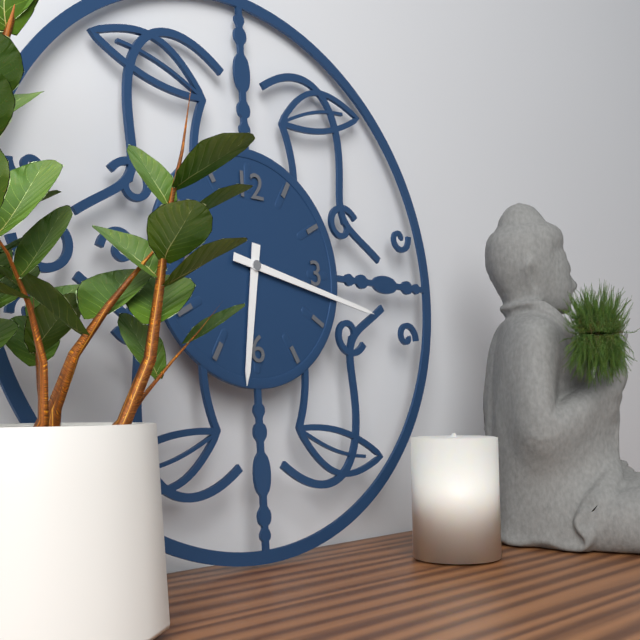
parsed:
6:17
